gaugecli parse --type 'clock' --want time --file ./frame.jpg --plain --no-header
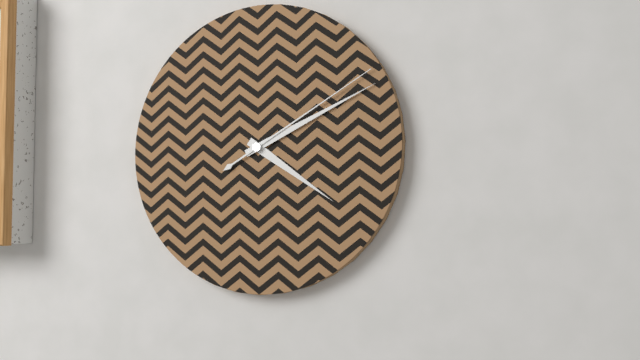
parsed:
4:11:10
